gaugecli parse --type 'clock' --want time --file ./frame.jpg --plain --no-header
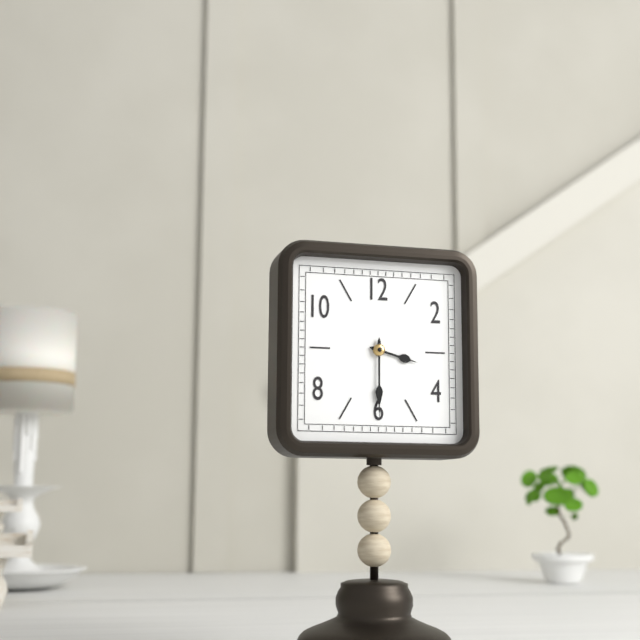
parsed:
3:30
